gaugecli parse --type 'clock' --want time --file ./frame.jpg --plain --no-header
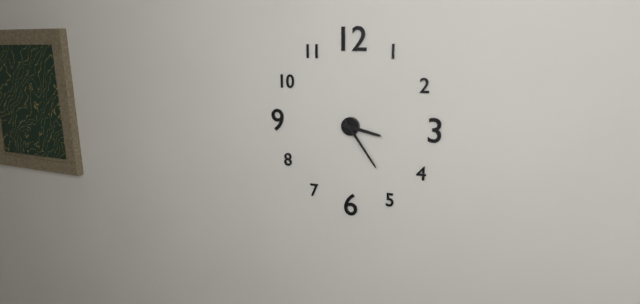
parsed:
3:24
